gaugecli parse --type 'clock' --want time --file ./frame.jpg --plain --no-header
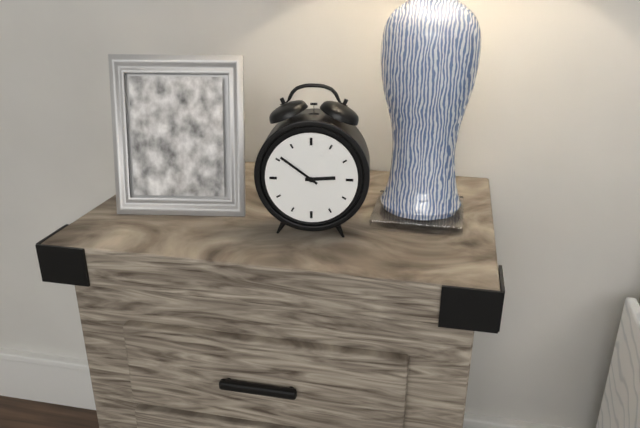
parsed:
2:51
